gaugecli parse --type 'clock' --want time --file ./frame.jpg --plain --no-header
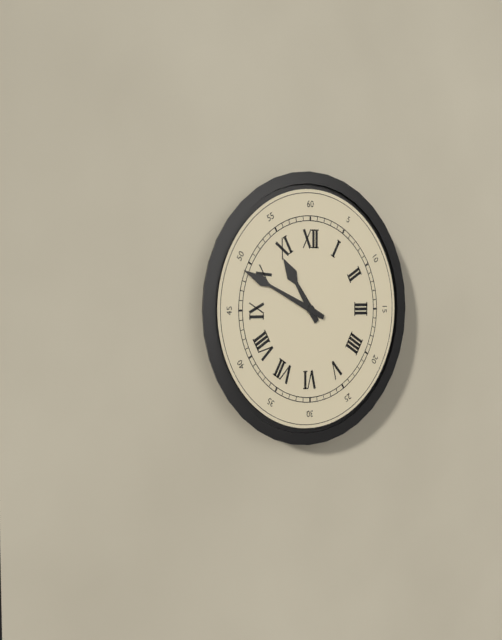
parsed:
10:49
